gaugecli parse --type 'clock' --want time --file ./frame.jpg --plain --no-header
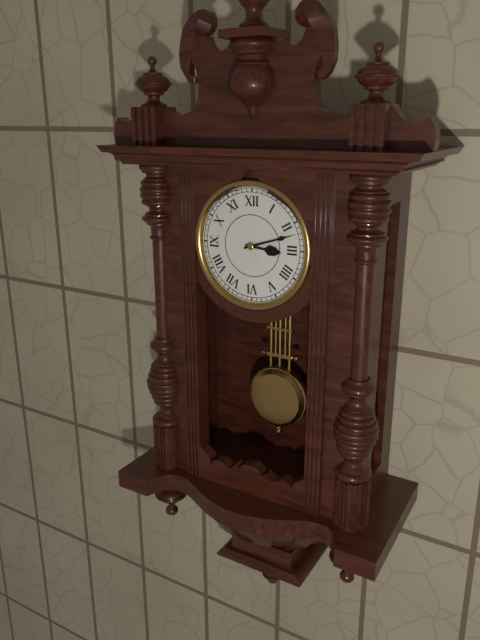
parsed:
3:12
